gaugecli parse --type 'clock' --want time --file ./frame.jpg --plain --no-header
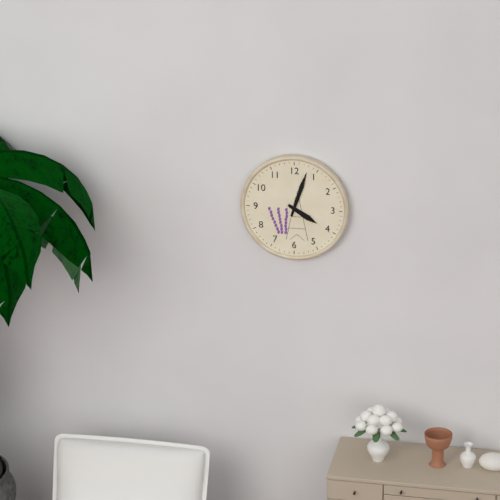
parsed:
4:03
